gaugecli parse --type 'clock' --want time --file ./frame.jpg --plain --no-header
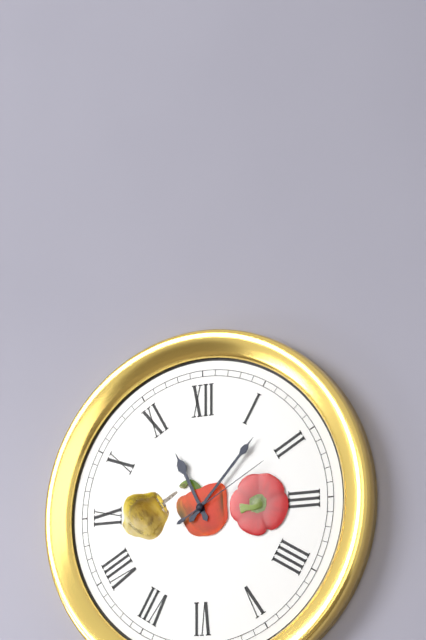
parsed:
11:07:10
